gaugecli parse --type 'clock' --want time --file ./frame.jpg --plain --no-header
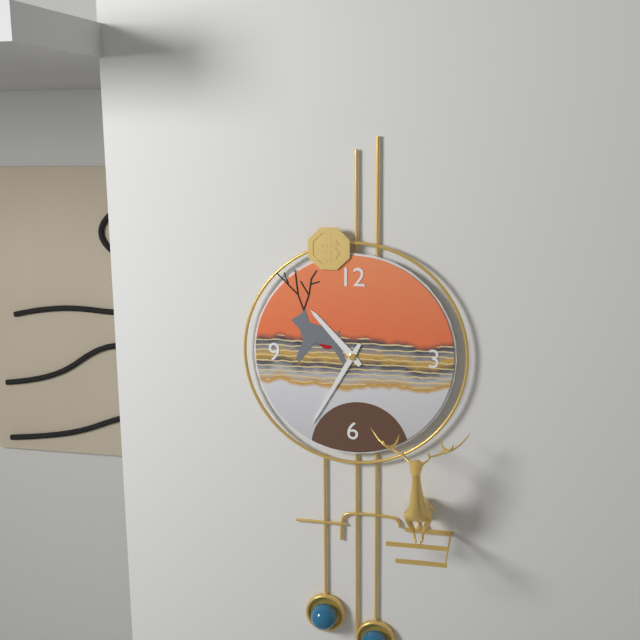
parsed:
10:35
